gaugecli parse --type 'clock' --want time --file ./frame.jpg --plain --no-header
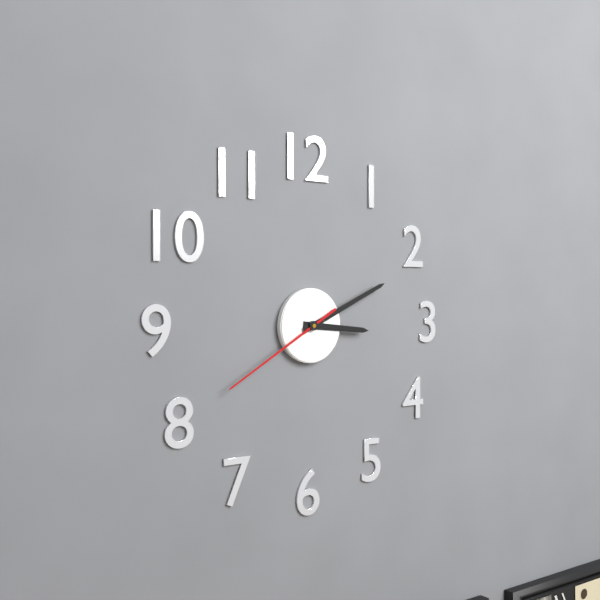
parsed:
3:11:40
